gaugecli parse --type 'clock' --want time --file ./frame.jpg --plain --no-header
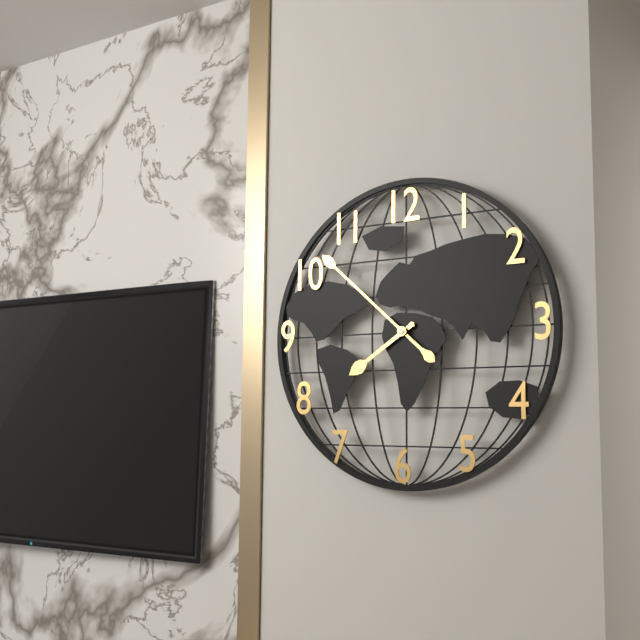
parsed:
7:52
